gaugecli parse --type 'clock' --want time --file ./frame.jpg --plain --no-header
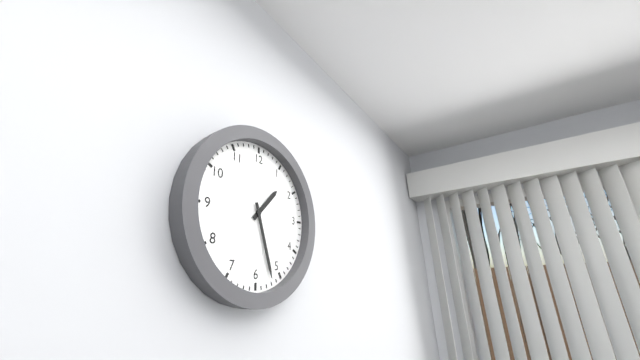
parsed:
1:27
